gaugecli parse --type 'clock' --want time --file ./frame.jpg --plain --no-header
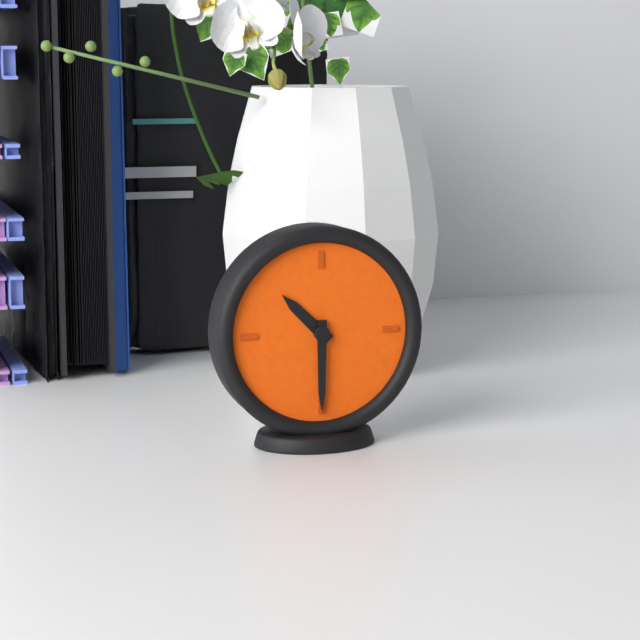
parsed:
10:30
